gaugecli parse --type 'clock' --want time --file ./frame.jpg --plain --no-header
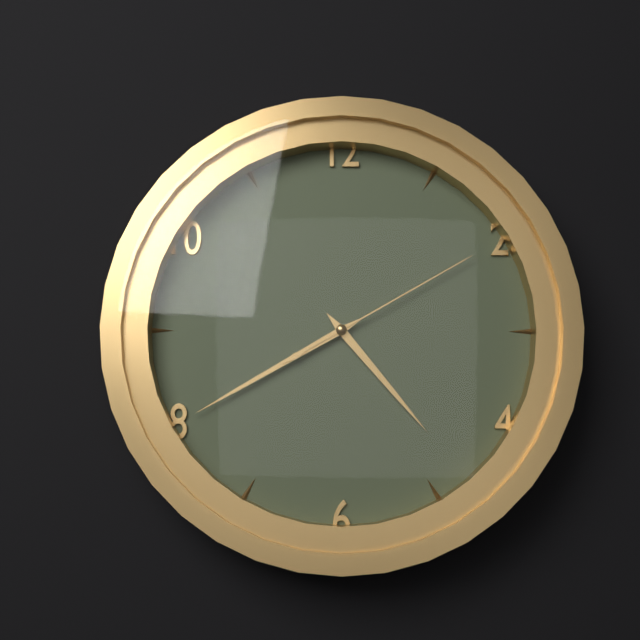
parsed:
4:40:10
